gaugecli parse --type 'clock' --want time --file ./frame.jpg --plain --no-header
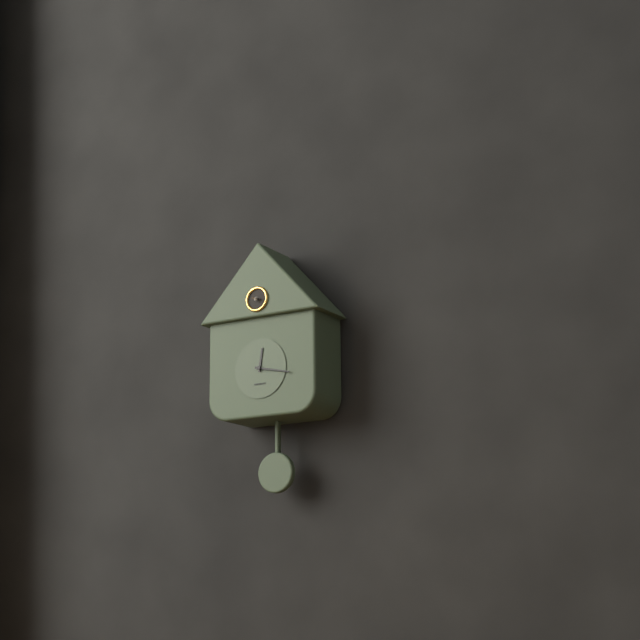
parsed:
12:17
